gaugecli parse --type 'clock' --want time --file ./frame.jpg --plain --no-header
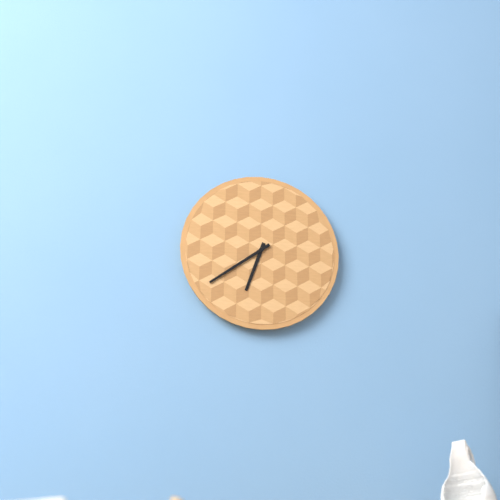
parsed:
6:39
